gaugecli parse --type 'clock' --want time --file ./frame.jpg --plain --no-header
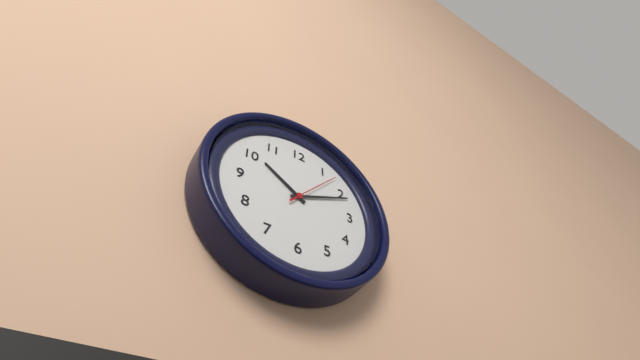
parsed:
10:11:07
